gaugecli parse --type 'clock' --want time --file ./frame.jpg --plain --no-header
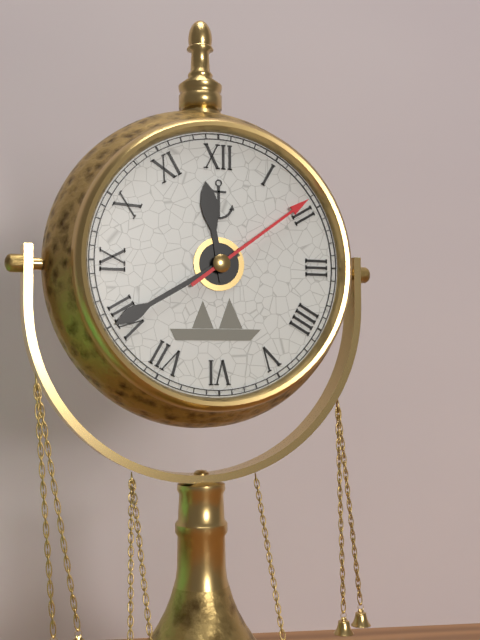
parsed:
11:40:09
